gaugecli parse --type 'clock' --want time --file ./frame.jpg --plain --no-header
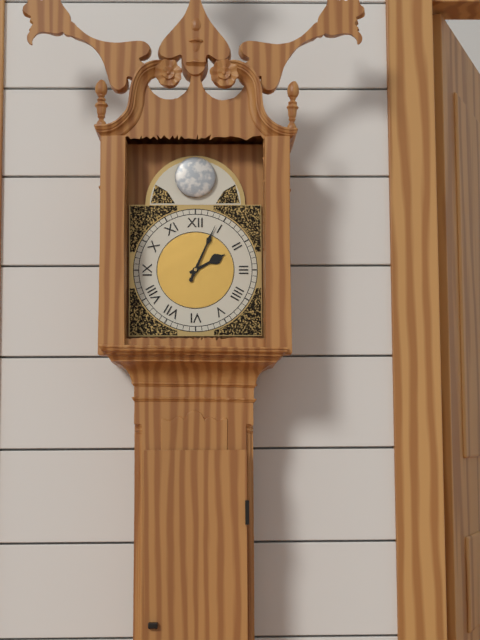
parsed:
2:04
